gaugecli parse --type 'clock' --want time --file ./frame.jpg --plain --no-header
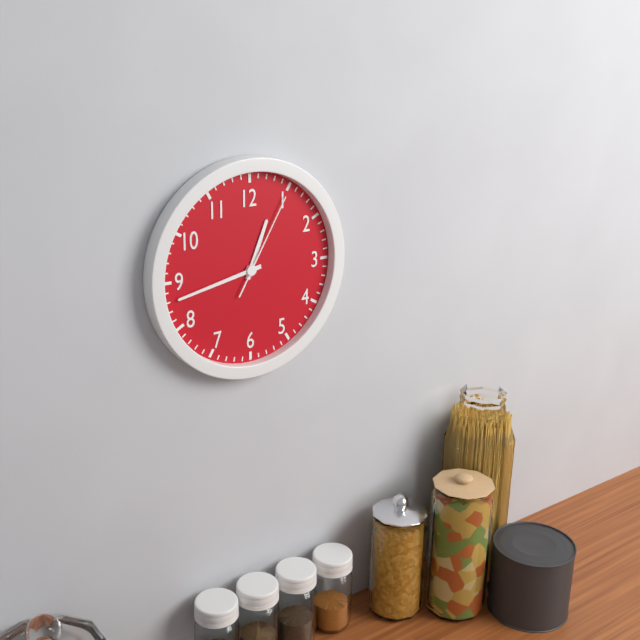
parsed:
12:43:05
